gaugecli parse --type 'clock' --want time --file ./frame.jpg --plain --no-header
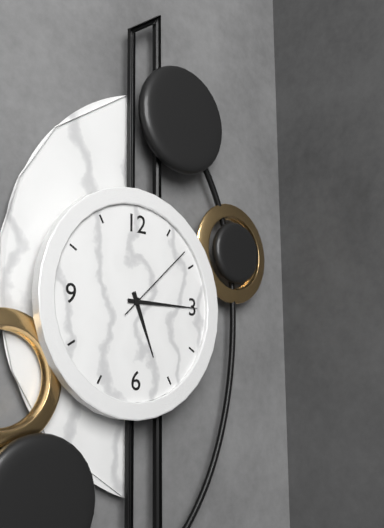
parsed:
5:15:08
